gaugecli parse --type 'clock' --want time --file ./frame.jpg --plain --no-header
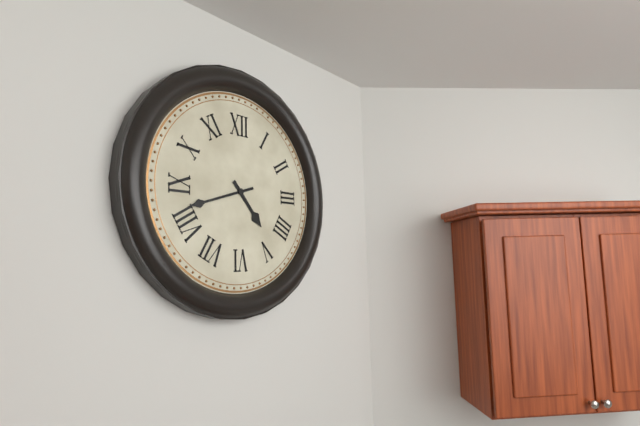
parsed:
4:42
